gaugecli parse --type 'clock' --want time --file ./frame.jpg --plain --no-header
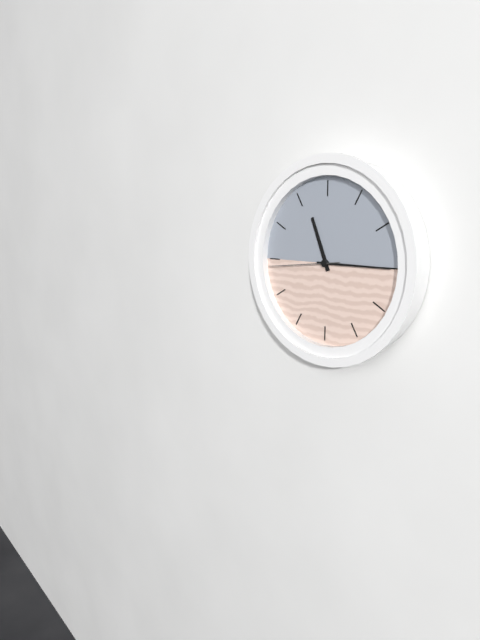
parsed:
11:15:44
